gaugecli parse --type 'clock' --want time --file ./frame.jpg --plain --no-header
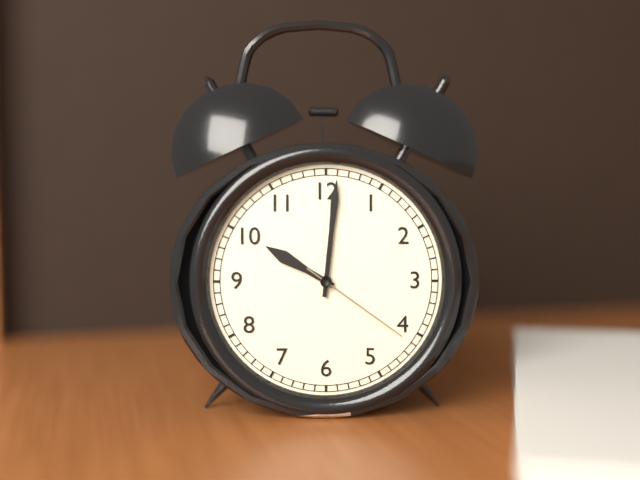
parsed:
10:01:21
